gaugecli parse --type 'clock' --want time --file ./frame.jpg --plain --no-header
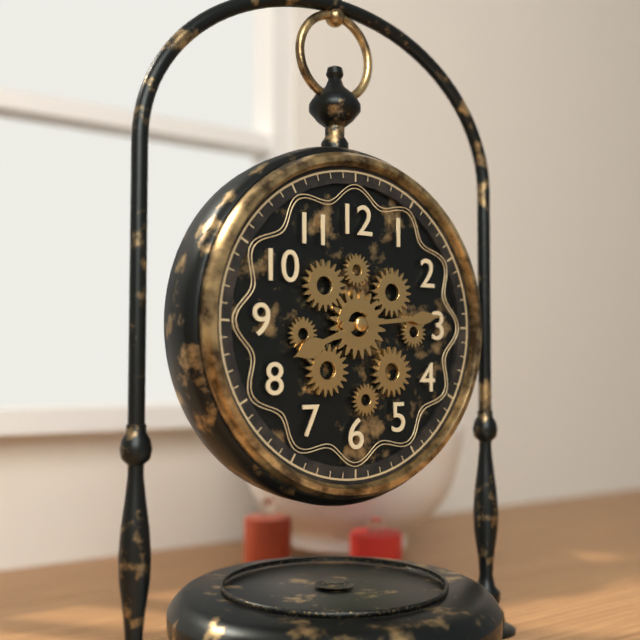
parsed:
8:14
